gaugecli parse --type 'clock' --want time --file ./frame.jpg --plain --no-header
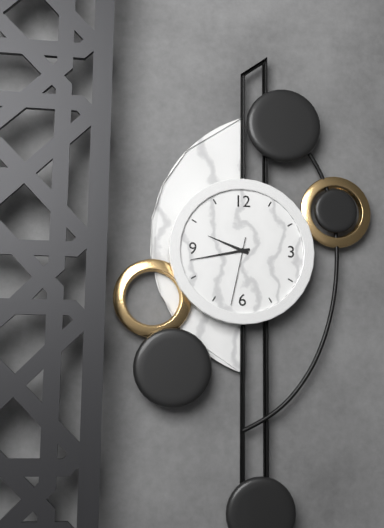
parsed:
9:43:32
